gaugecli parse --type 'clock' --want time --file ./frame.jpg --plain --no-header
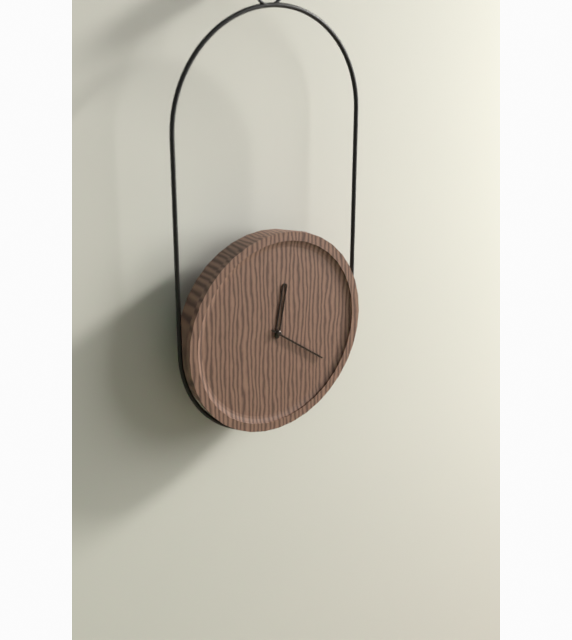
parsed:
12:21
